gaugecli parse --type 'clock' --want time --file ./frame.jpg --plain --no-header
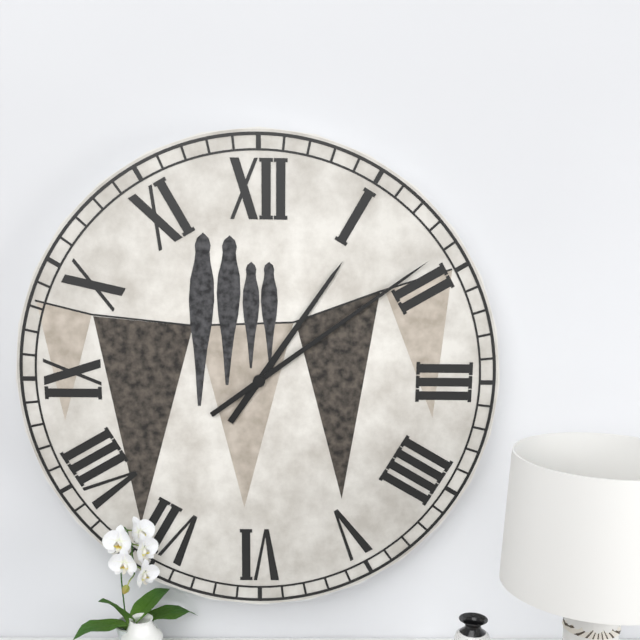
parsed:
1:09
